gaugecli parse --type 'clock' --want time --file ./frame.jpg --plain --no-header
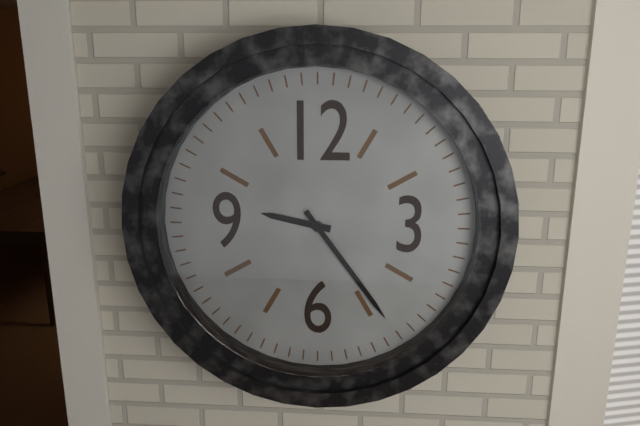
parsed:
9:24
